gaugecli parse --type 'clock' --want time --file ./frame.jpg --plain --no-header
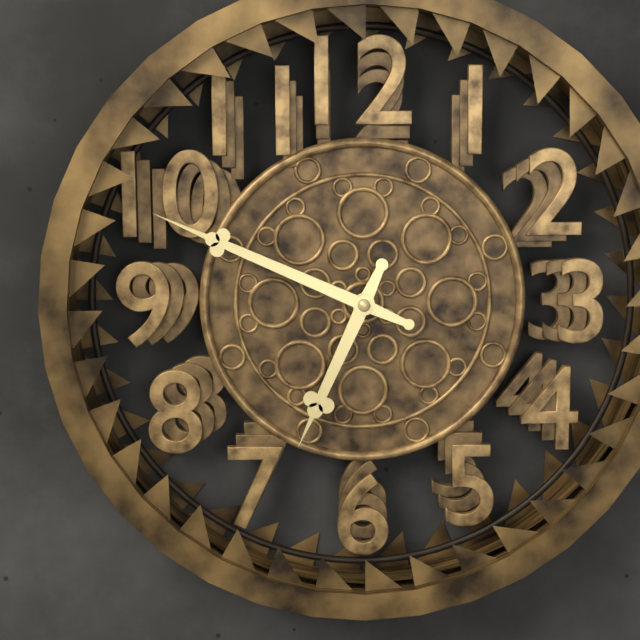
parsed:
6:49
